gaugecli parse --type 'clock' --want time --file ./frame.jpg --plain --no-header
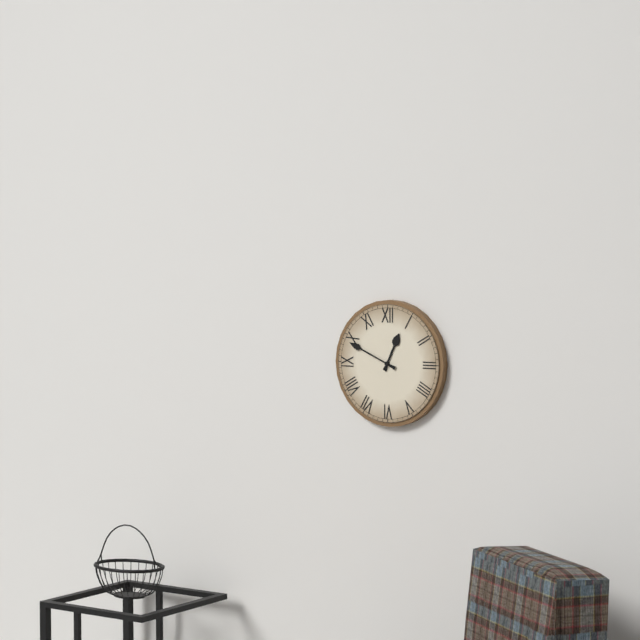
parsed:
12:49
